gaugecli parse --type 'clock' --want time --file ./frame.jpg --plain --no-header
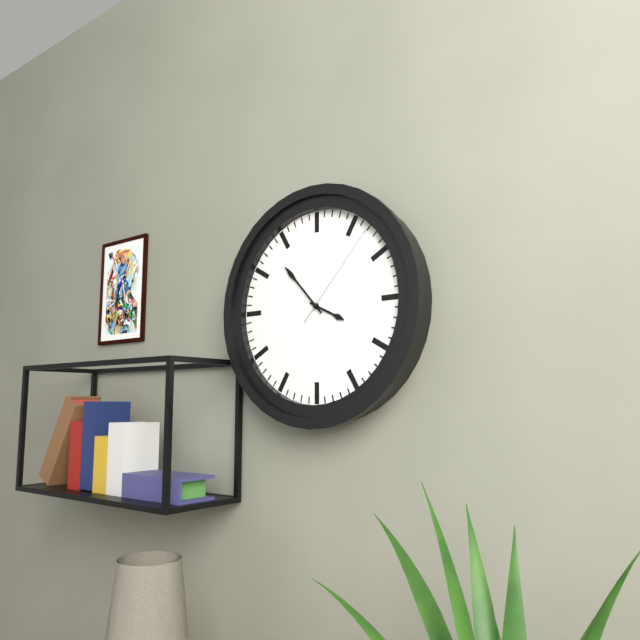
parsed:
3:53:07
